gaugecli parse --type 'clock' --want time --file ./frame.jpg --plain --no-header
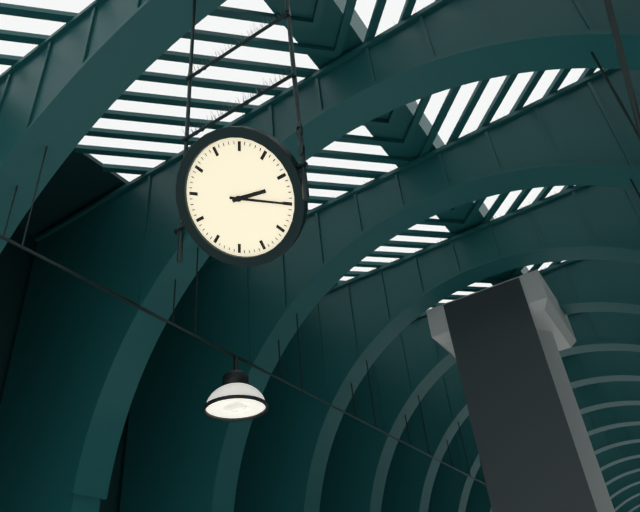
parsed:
3:20
